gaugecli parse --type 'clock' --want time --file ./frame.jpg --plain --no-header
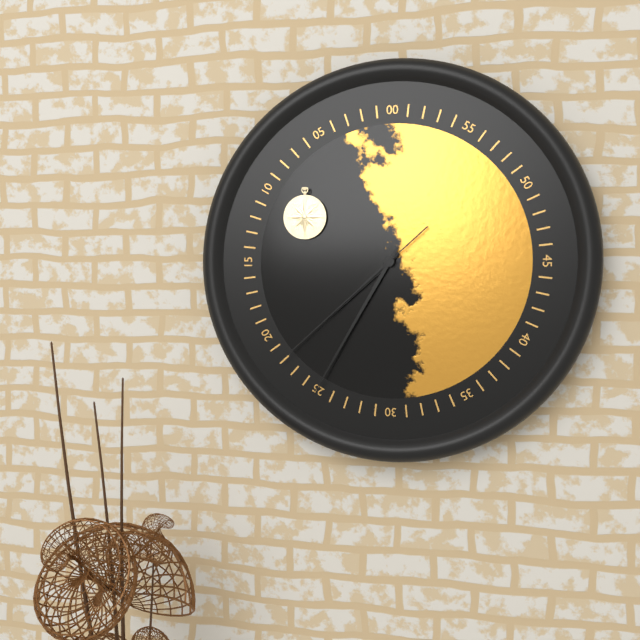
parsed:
7:35:38
